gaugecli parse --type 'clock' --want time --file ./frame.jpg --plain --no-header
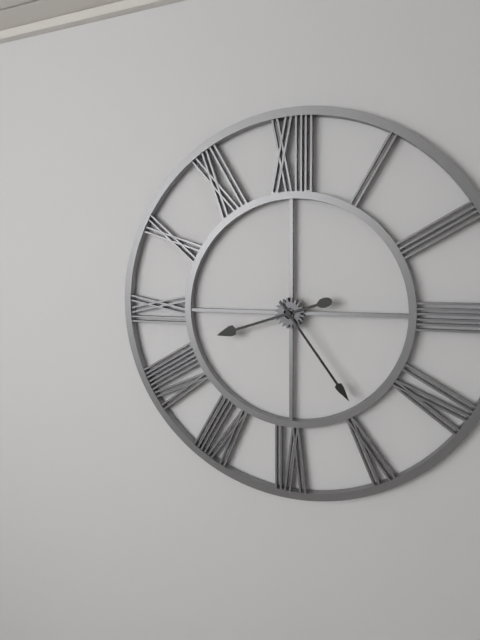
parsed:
8:24
